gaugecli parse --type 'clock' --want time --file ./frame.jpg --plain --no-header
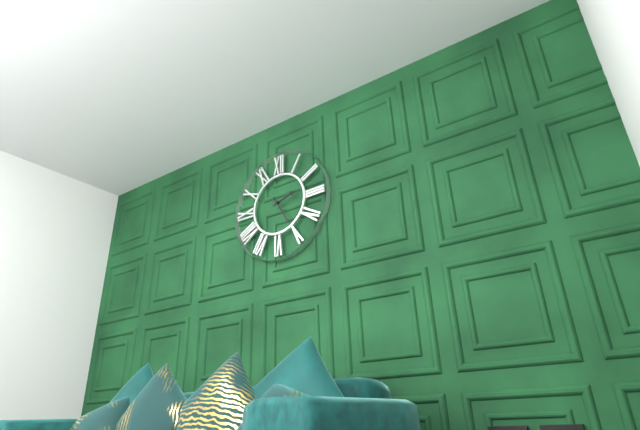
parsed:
2:25
